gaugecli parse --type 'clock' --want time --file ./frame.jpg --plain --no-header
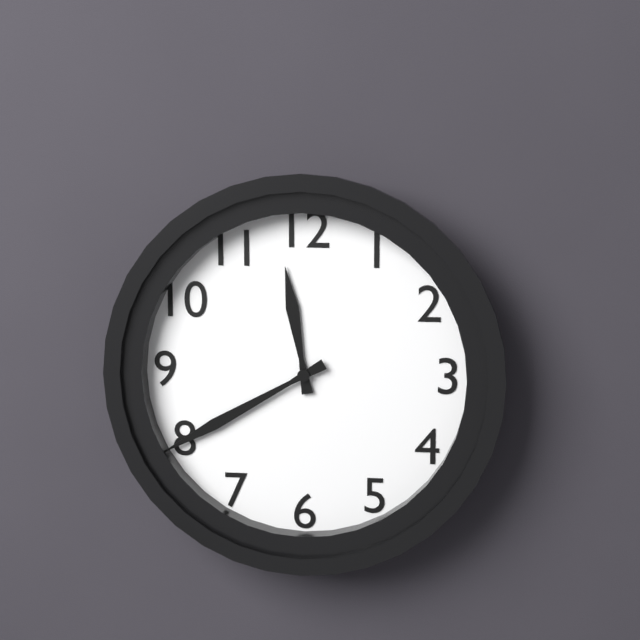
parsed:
11:40
